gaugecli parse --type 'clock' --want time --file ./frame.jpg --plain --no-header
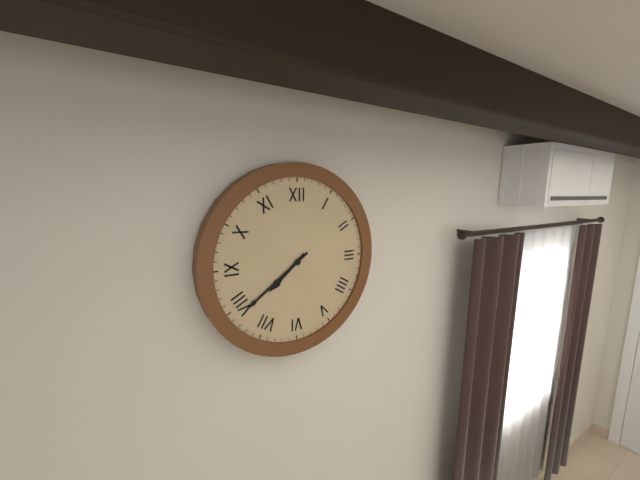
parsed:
7:39
